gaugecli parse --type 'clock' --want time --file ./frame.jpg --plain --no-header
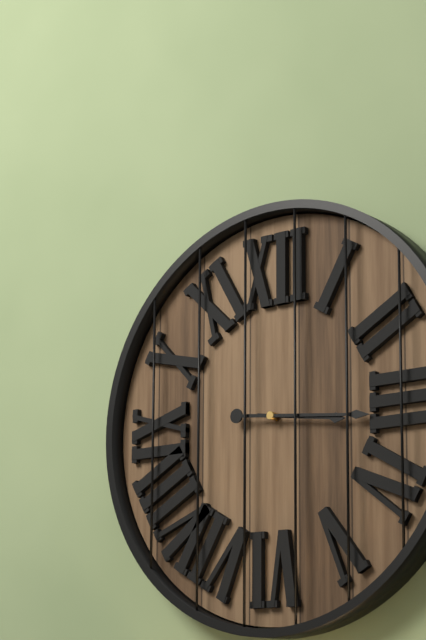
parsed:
3:16
